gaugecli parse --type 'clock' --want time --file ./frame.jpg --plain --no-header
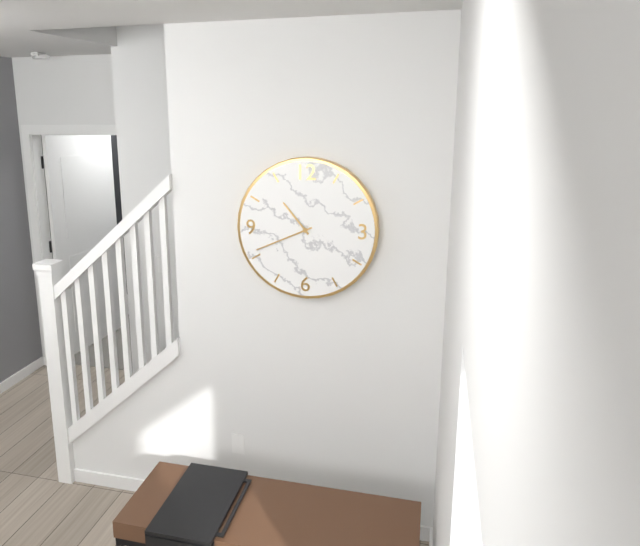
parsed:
10:41
